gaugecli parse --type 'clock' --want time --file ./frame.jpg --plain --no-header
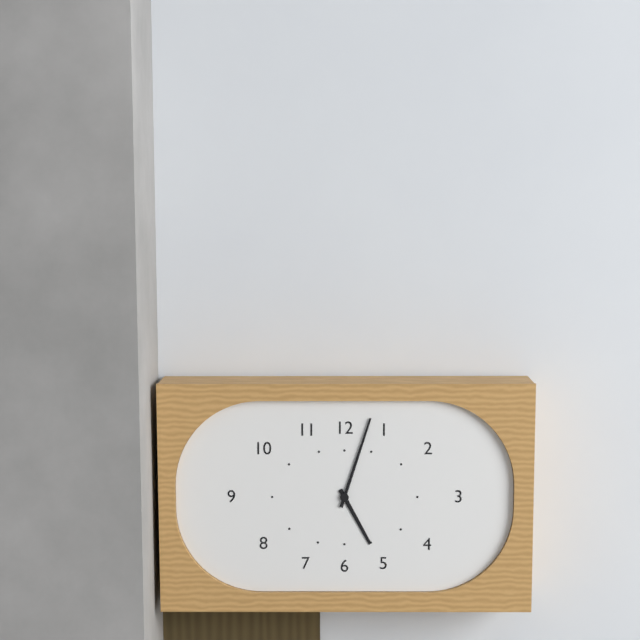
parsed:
5:03
